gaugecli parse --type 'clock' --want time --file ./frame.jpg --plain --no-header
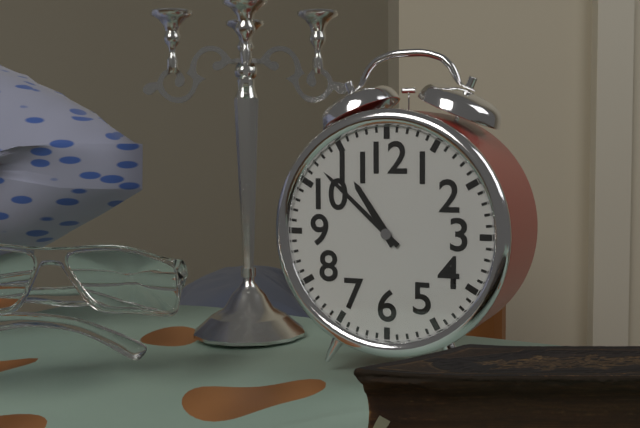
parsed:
10:52
